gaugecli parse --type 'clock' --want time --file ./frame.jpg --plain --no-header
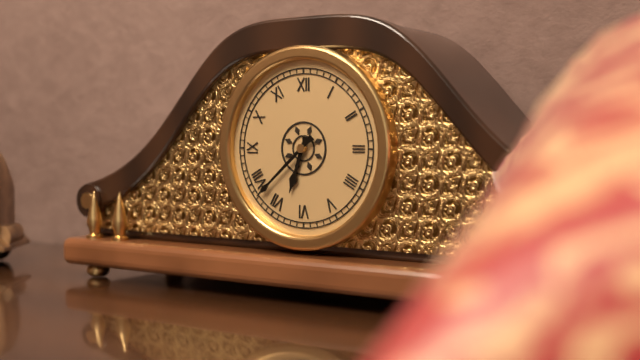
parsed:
6:38
